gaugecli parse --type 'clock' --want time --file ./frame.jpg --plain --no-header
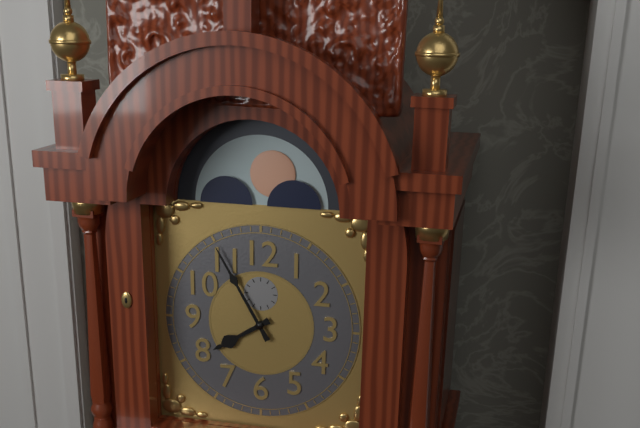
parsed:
7:55
